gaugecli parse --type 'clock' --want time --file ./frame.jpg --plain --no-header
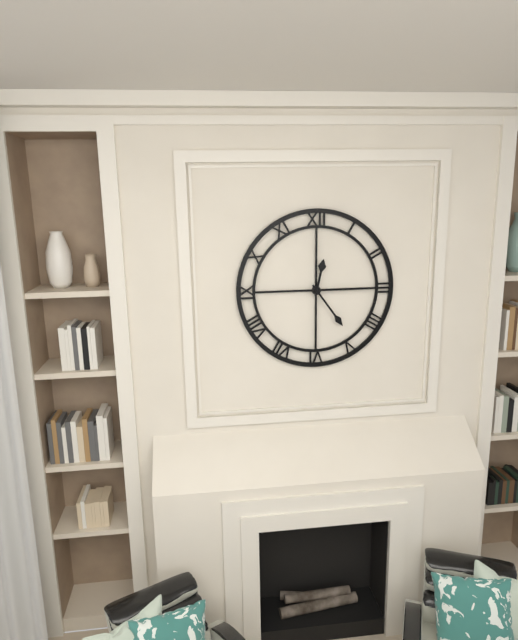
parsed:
12:24:15
